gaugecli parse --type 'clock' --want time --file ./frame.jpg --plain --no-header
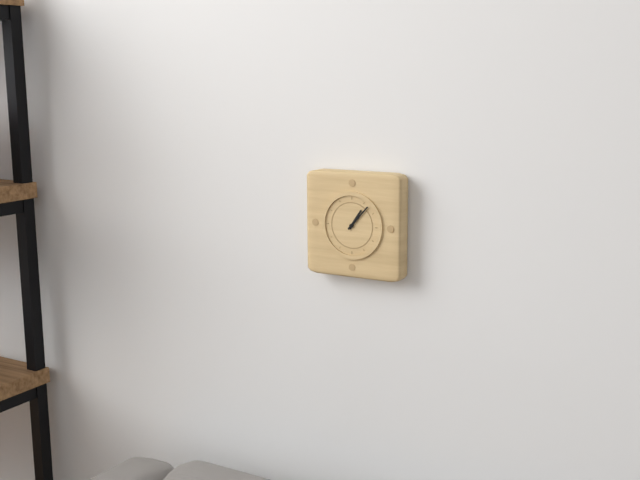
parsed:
1:07
